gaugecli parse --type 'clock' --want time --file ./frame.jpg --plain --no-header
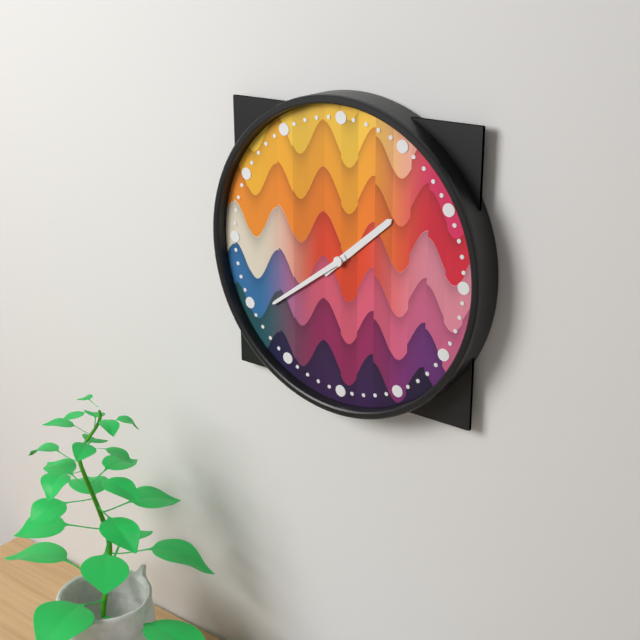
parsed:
1:39
